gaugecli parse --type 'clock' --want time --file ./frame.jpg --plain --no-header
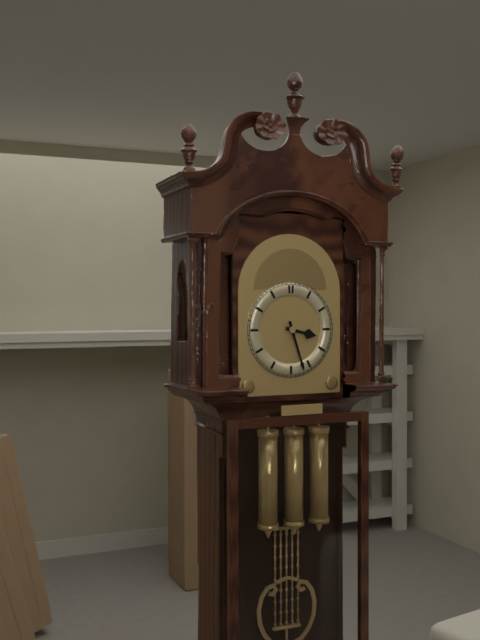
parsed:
3:27
